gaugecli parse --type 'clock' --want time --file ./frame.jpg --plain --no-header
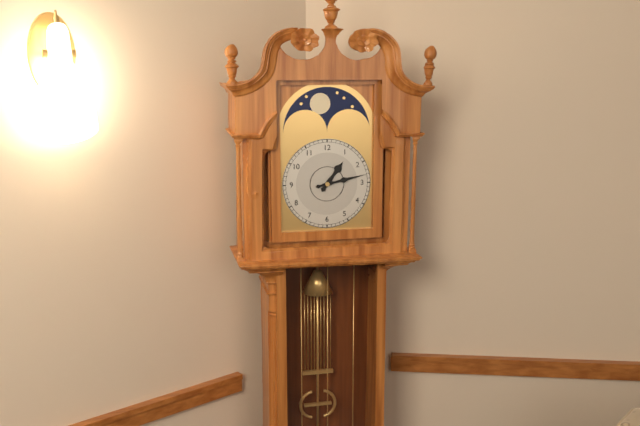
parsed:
1:13
